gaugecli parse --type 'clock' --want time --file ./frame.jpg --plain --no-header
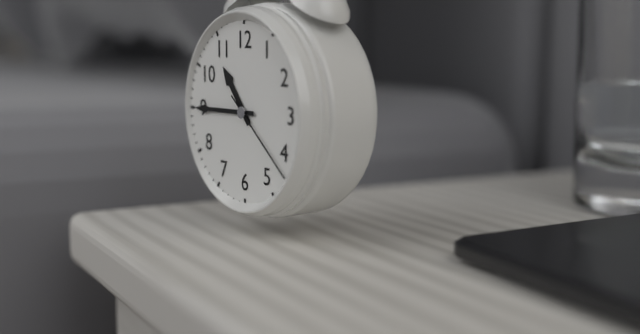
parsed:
10:45:22
